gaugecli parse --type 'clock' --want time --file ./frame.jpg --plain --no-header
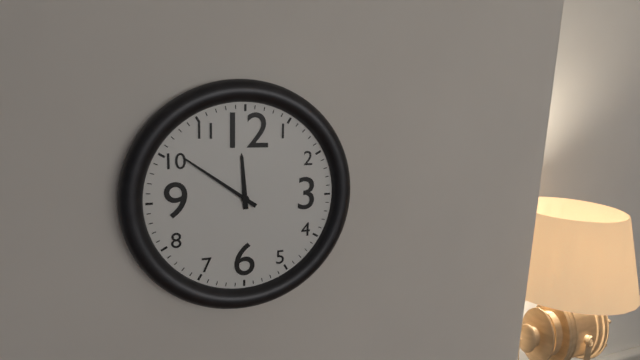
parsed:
11:51
